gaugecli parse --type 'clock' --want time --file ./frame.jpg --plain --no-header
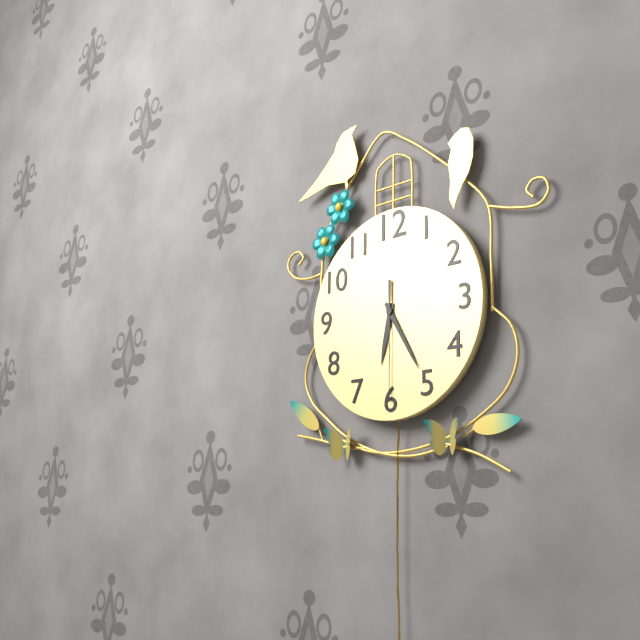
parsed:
6:25:30
